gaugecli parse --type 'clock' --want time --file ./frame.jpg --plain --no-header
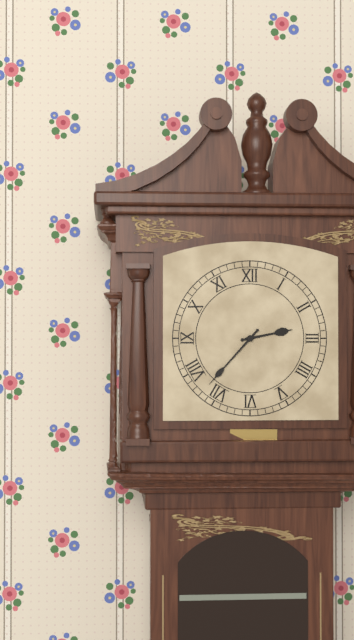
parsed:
2:37
